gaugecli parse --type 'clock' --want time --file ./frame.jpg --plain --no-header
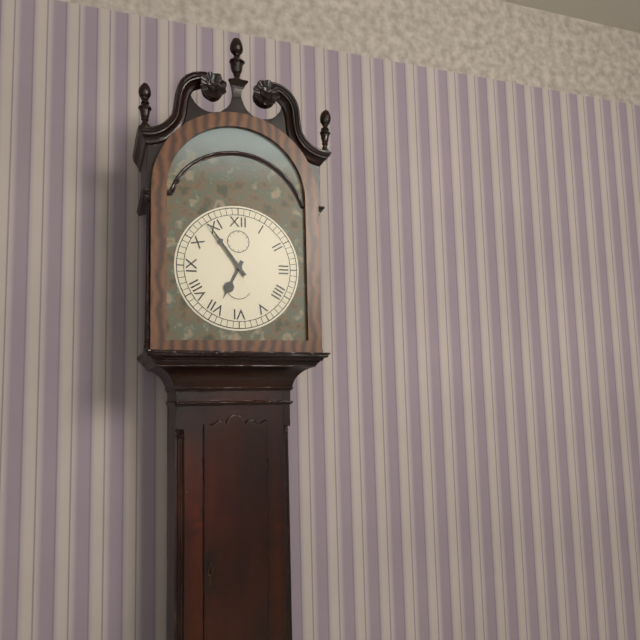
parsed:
6:54
